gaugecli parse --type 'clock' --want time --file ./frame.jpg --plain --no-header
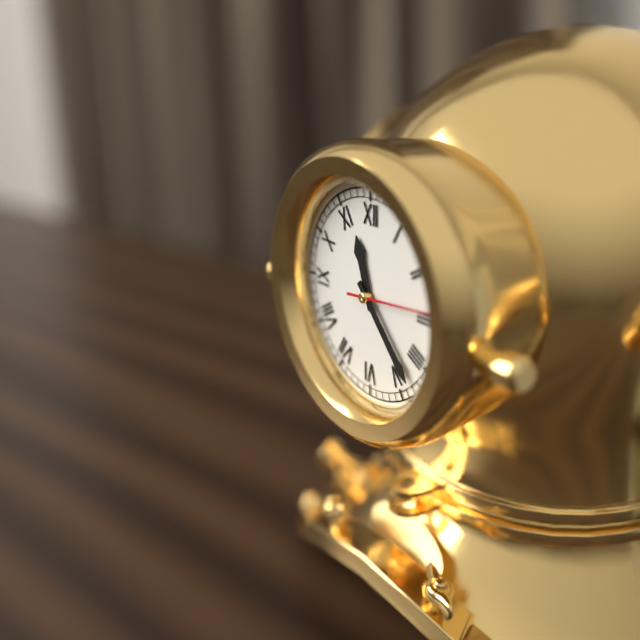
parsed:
11:23:14
